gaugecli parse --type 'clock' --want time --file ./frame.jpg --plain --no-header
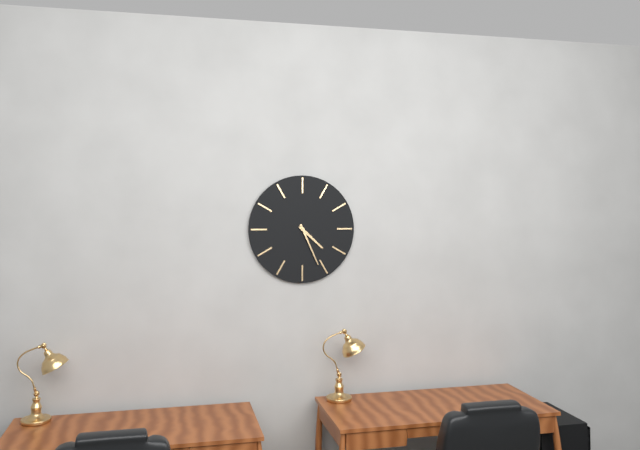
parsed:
4:26
